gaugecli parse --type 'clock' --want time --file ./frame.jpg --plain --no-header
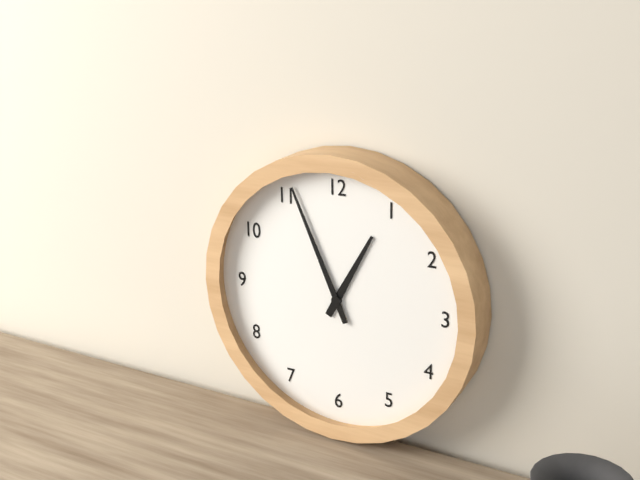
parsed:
12:56
